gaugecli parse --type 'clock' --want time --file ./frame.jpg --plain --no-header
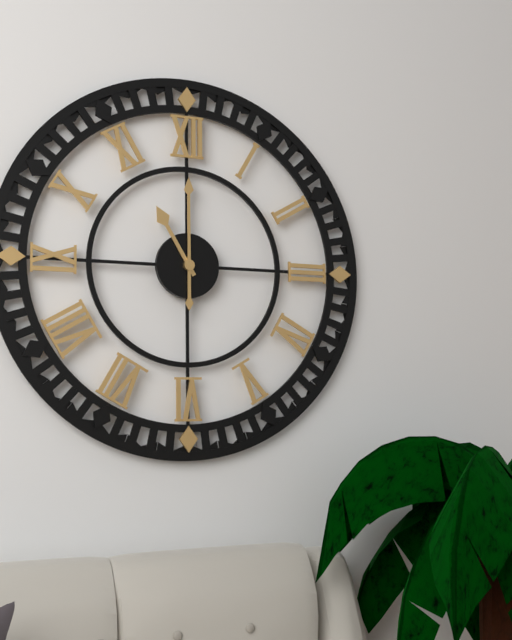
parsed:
11:00
